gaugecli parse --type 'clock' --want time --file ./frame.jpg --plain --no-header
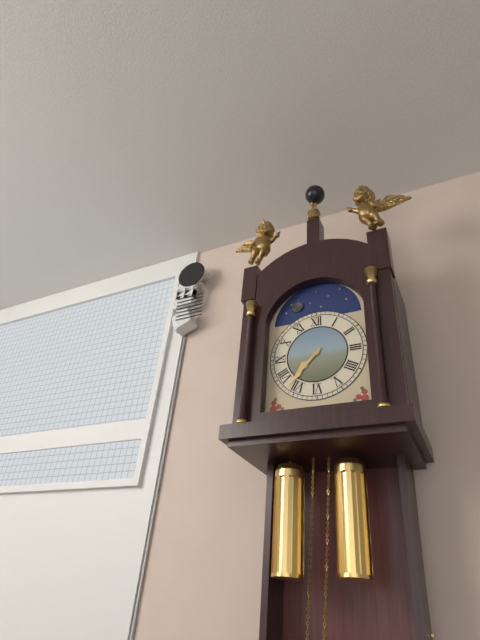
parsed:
7:37
